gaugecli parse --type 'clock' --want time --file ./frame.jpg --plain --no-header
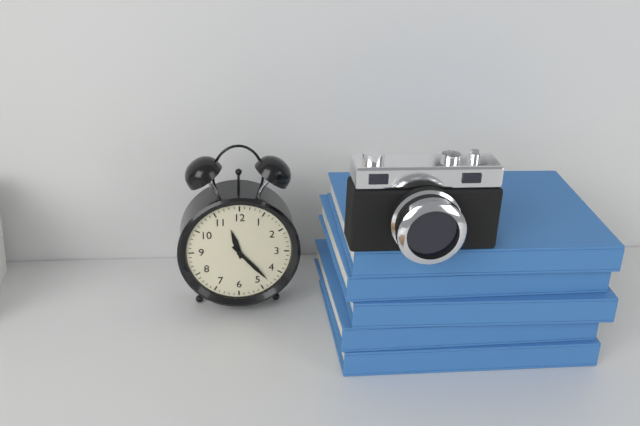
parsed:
11:23
